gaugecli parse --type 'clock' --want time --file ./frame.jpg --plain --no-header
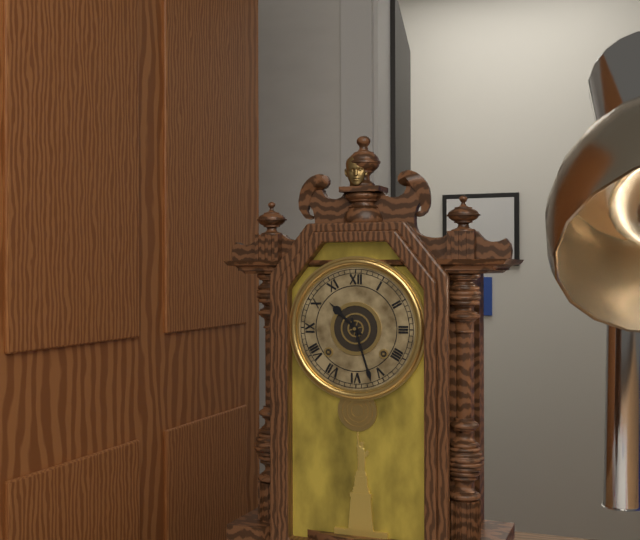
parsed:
10:27
